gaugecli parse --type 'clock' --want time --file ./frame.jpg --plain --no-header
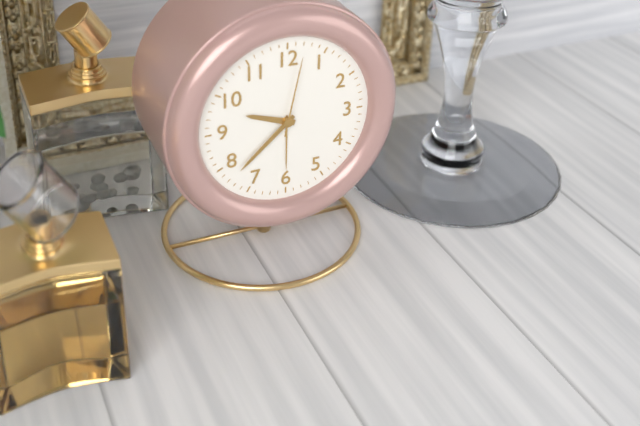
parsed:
9:38:02
